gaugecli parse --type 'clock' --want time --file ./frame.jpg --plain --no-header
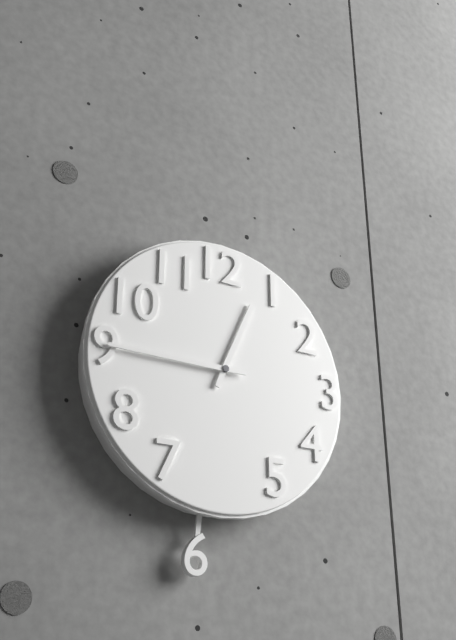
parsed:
12:45
